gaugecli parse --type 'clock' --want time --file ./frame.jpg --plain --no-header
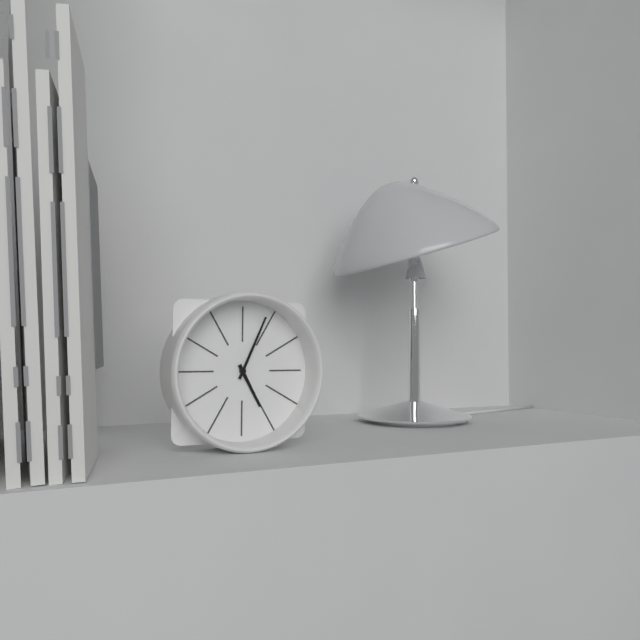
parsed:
5:04
